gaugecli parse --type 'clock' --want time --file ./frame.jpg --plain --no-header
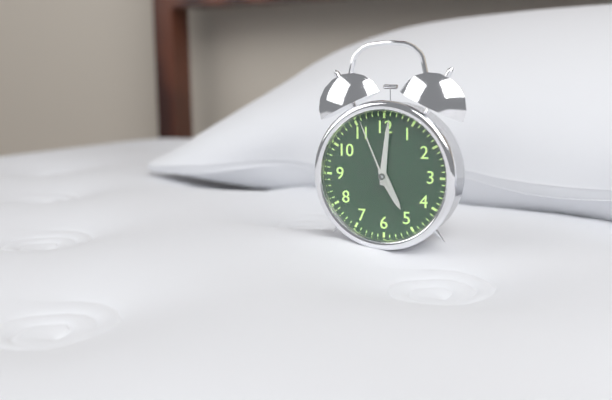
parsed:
5:01:56
